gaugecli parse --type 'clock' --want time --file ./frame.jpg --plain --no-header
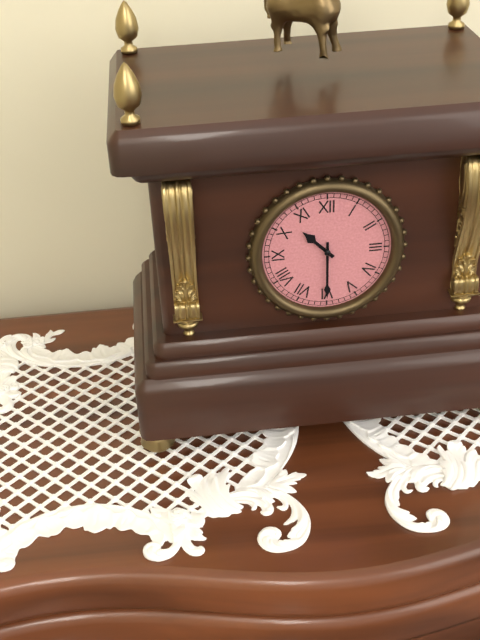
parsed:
10:30
